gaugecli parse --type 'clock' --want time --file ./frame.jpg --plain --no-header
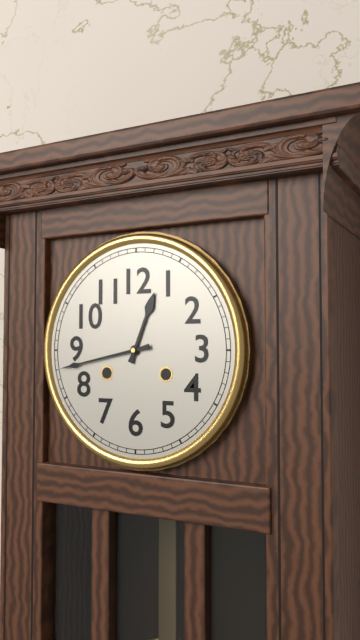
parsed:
12:43
